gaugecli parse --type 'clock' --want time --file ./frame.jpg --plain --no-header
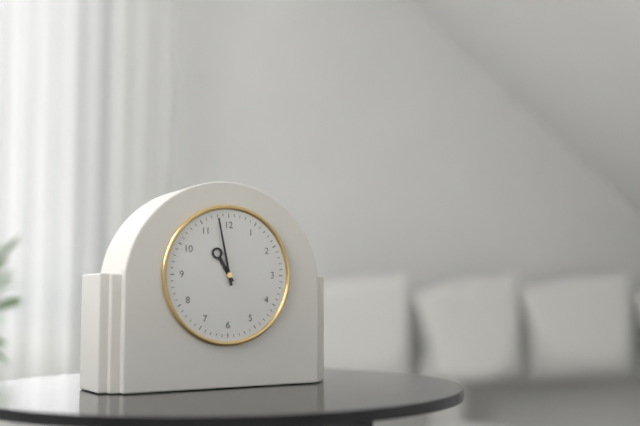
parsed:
10:58
